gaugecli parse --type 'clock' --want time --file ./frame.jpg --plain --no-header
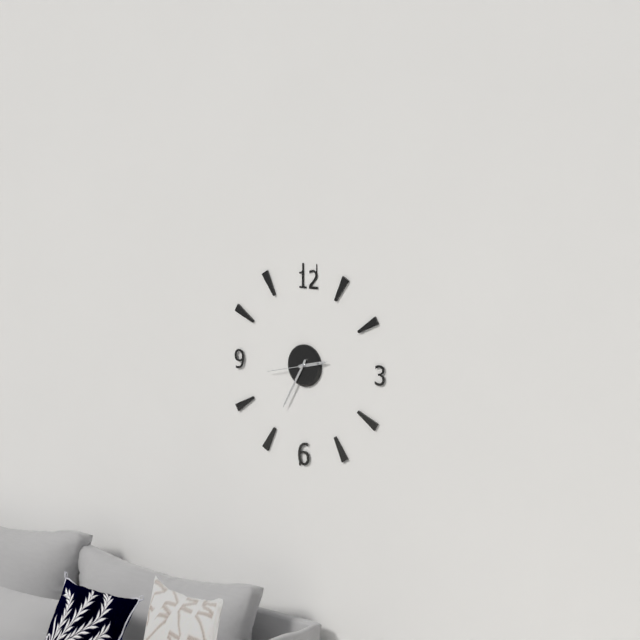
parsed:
2:35
